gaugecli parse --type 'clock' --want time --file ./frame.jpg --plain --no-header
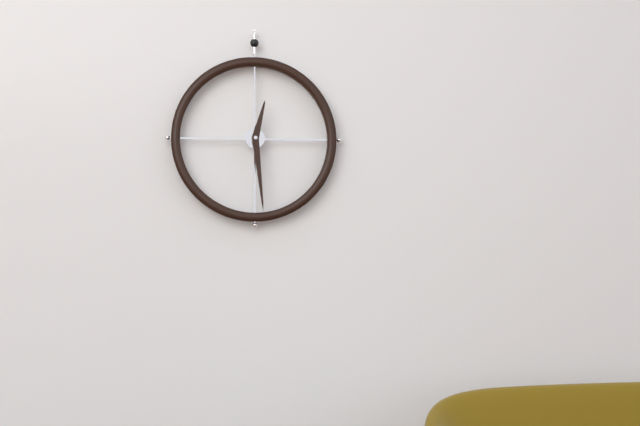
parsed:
12:29
